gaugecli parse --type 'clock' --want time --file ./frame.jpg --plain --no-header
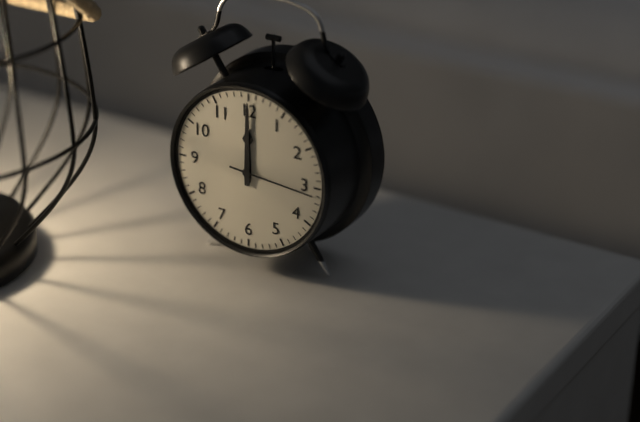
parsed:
12:00:16
